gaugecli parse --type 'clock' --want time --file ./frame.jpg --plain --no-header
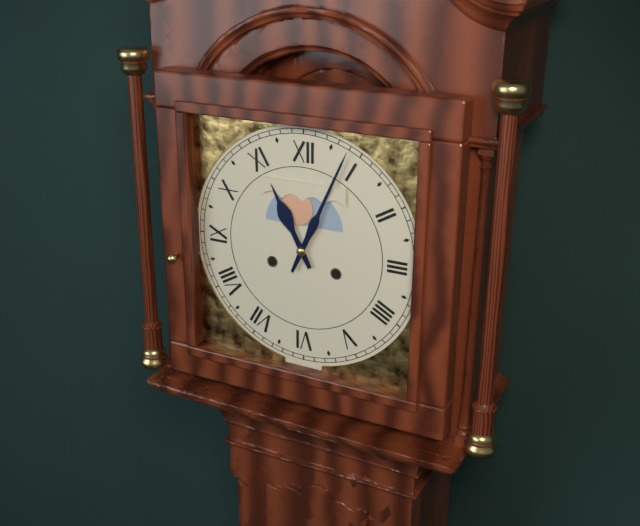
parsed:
11:04
